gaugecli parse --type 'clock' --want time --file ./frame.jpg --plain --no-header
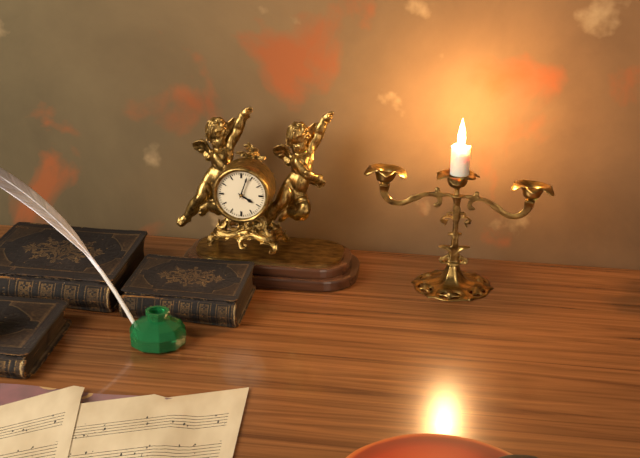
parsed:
4:03
